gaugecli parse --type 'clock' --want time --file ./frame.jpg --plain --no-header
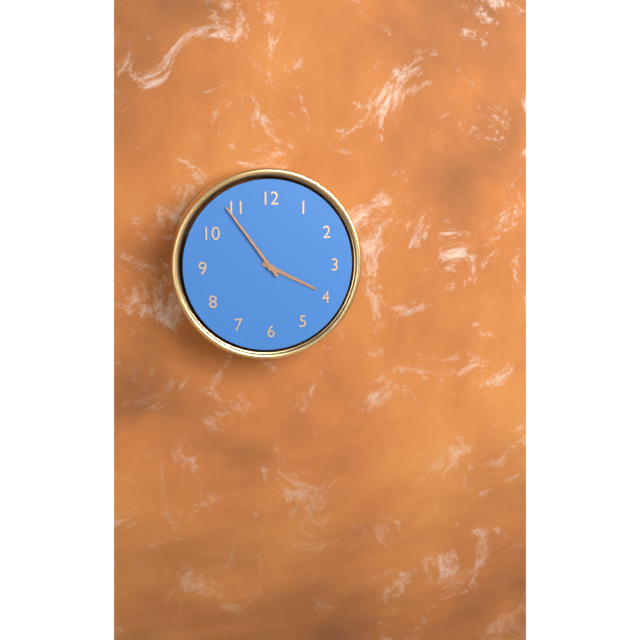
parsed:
3:54
